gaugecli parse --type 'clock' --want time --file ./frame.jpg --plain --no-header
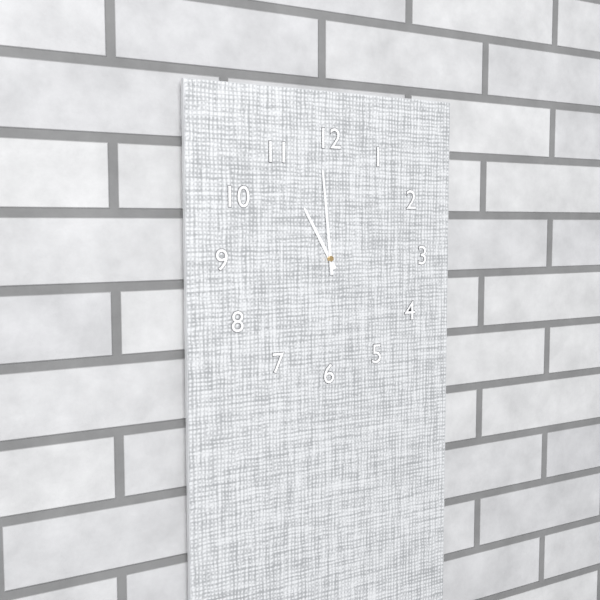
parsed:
10:59
